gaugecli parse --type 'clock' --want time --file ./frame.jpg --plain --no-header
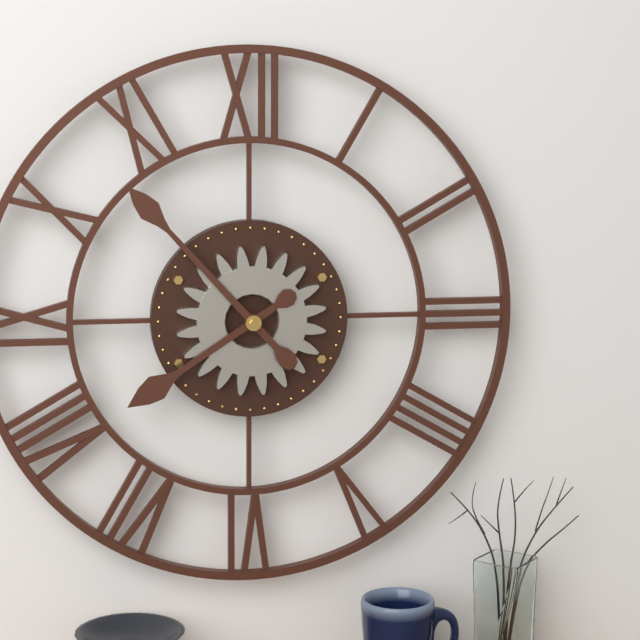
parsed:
7:53
